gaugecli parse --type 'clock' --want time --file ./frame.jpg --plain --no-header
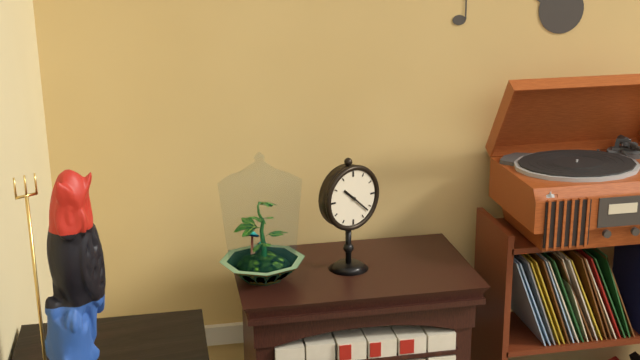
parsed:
10:22
